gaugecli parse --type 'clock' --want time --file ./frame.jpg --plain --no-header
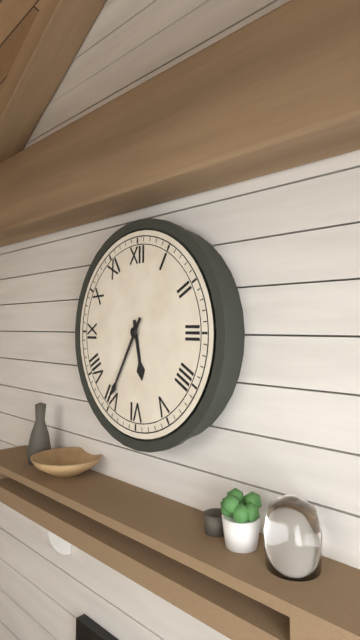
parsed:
5:35
